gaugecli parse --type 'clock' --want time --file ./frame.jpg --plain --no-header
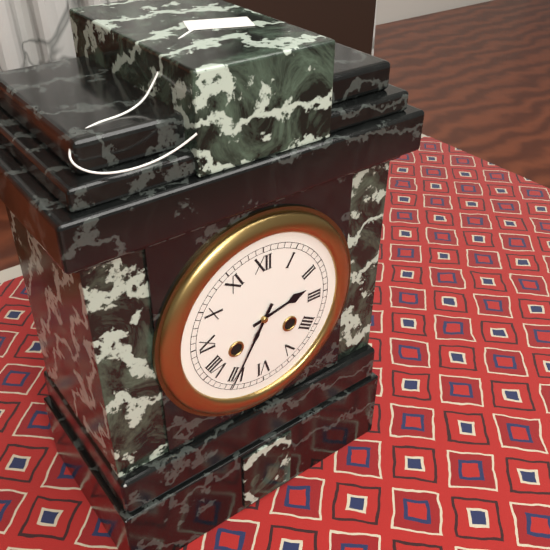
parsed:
2:35
